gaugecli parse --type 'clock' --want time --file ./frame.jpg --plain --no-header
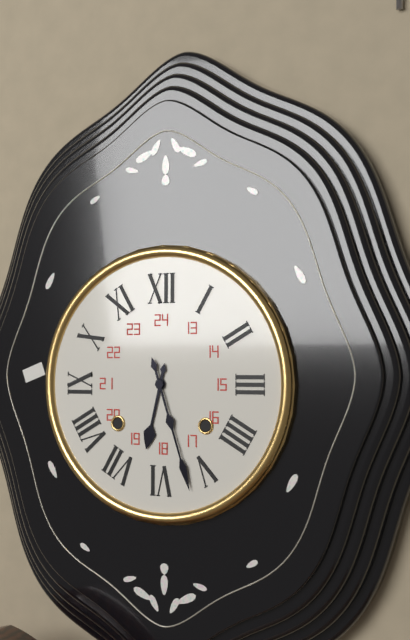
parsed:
6:27
